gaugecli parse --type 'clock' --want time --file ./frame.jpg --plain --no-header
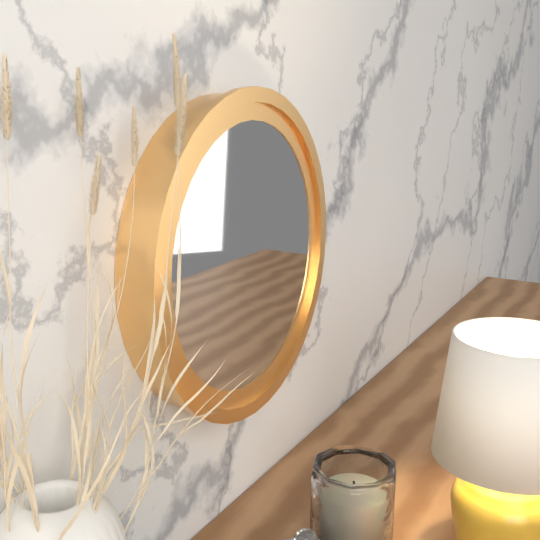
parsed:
5:04:17
